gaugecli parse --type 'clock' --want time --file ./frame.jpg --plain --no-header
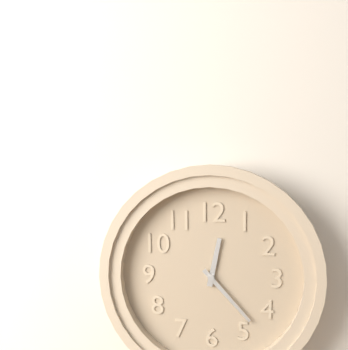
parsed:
12:23
